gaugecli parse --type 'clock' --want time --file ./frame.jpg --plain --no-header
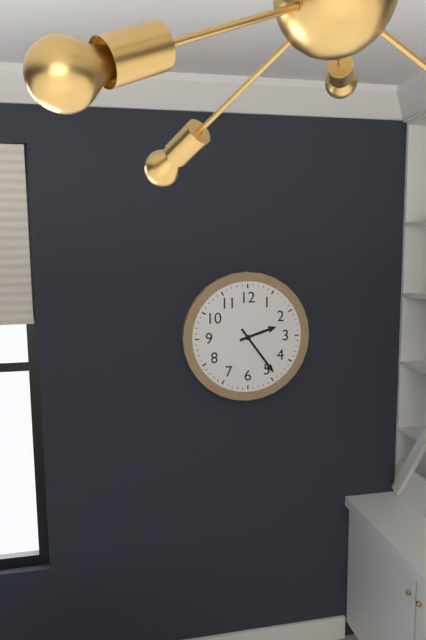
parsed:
2:24
